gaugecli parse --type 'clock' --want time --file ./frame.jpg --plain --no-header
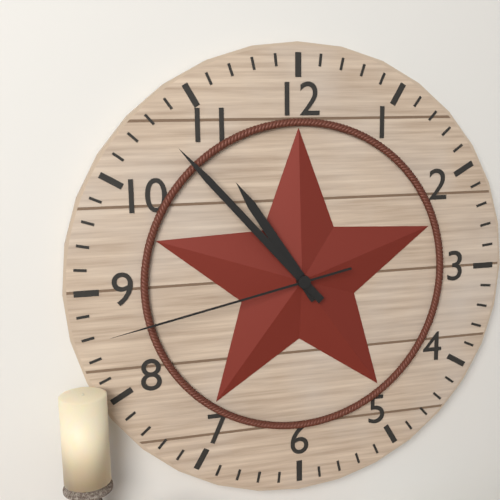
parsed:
10:53:43
